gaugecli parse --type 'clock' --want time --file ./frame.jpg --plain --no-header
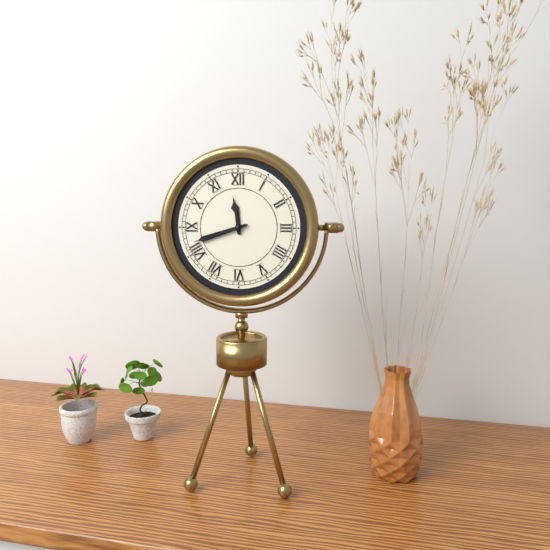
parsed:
11:42
